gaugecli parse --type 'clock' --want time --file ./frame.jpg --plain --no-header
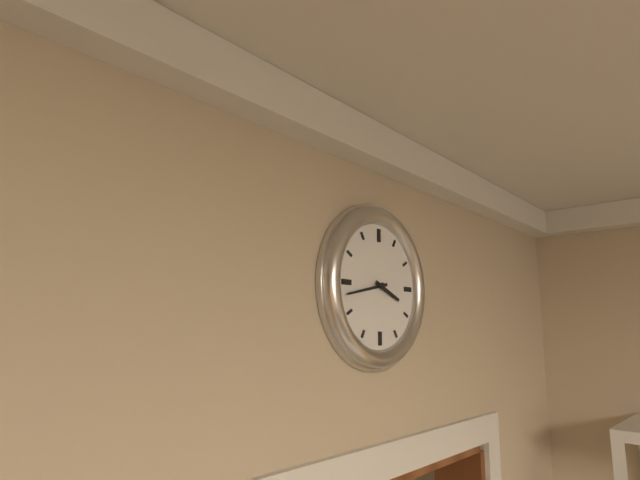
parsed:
3:43
